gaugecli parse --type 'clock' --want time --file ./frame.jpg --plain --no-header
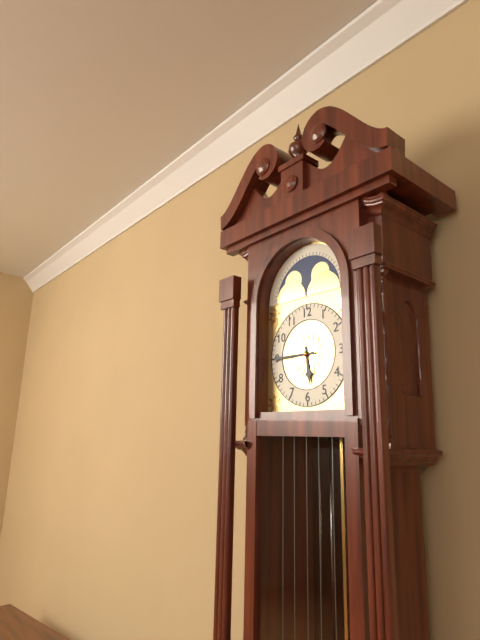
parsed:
5:45
